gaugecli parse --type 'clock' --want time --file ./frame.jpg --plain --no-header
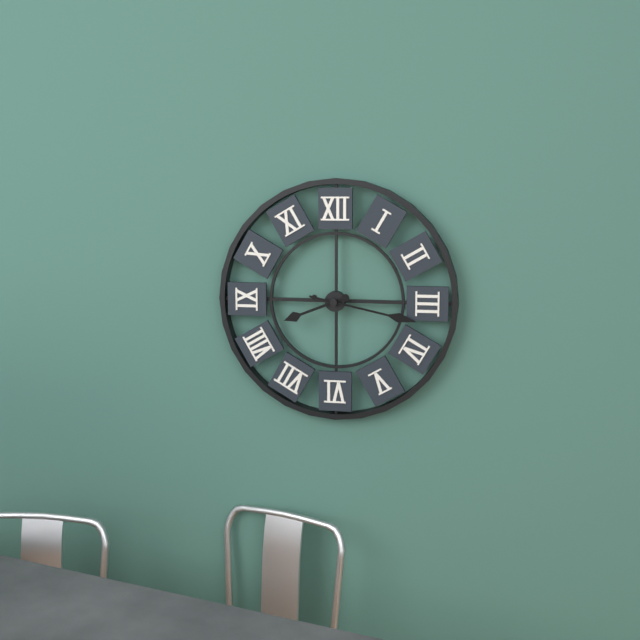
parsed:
8:17
